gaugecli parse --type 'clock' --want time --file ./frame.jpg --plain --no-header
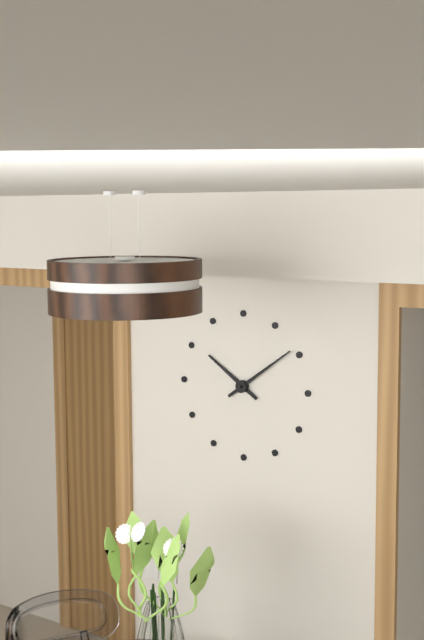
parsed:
10:09
